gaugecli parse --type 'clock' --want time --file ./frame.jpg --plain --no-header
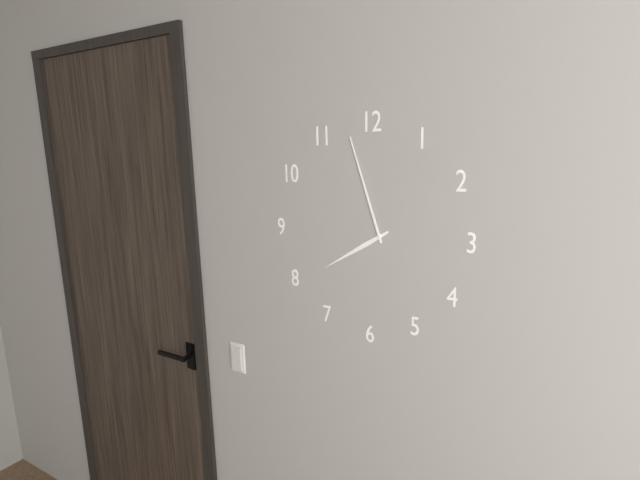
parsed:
7:57
